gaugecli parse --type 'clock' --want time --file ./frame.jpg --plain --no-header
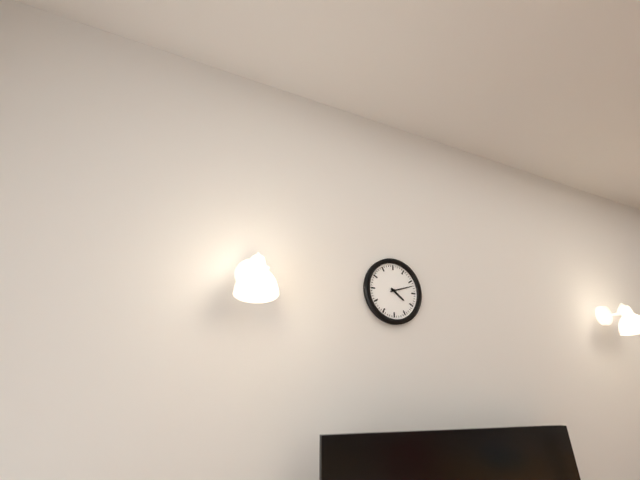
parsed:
4:12
